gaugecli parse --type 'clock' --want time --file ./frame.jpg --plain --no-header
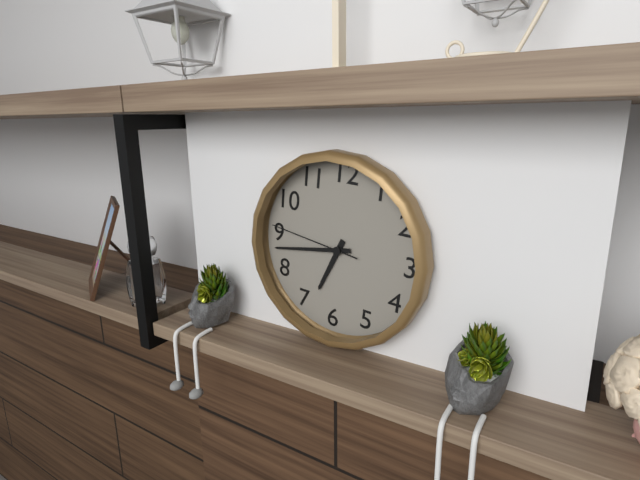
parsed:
6:43:46
